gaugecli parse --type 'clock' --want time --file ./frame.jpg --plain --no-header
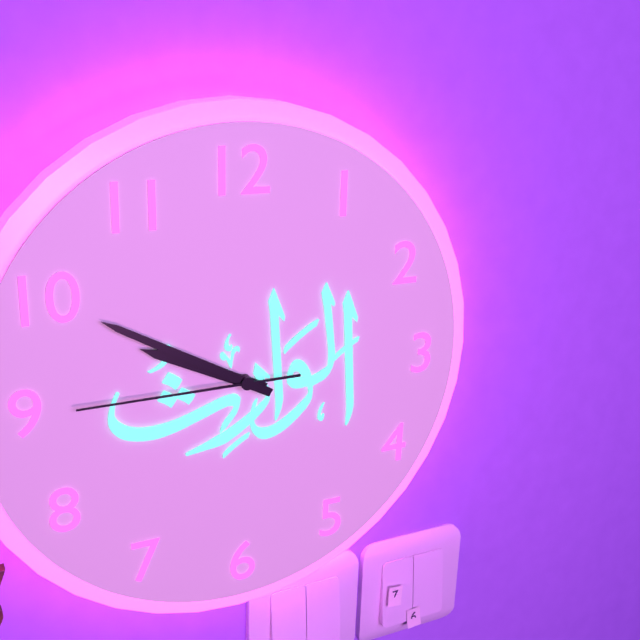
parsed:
9:50:45
